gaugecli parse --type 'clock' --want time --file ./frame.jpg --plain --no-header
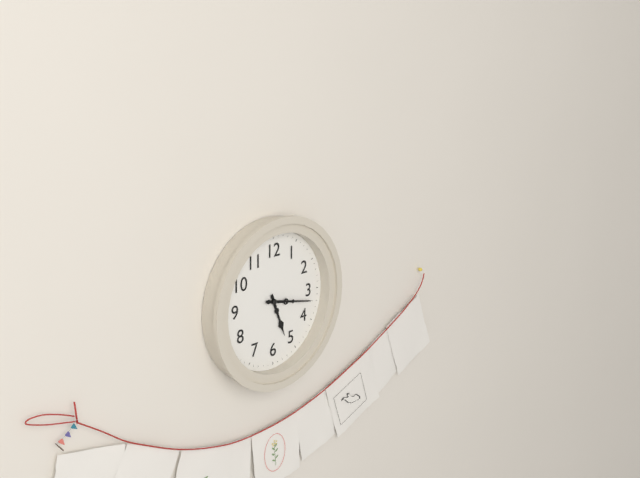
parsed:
5:17
